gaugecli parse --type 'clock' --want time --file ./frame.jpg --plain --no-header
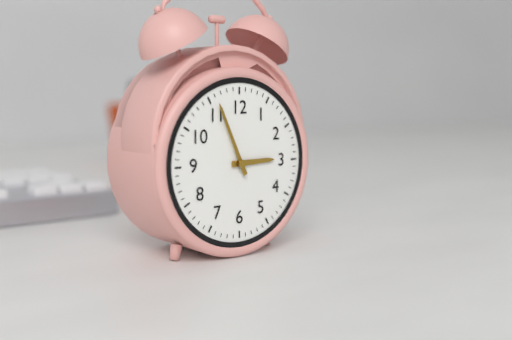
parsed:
2:56
